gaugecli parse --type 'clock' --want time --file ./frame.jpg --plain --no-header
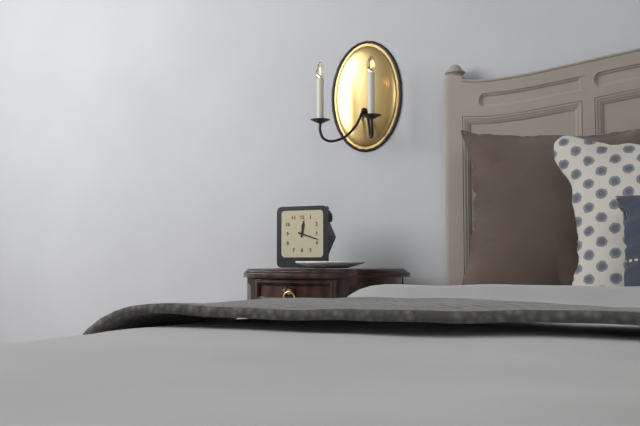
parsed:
12:18
